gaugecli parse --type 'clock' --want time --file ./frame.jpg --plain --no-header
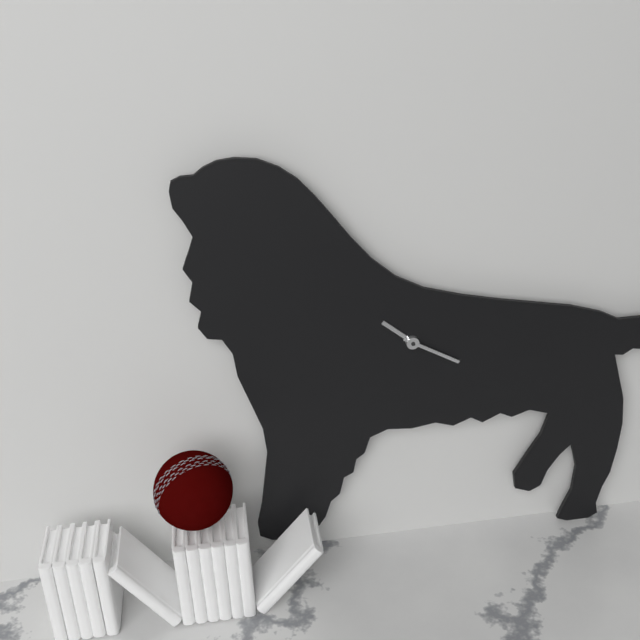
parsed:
10:20
